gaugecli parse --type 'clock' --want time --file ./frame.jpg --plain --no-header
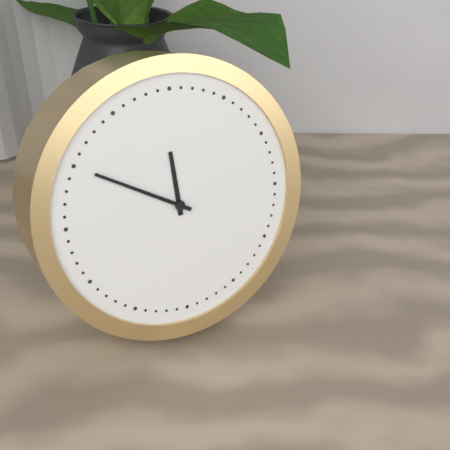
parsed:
11:50
